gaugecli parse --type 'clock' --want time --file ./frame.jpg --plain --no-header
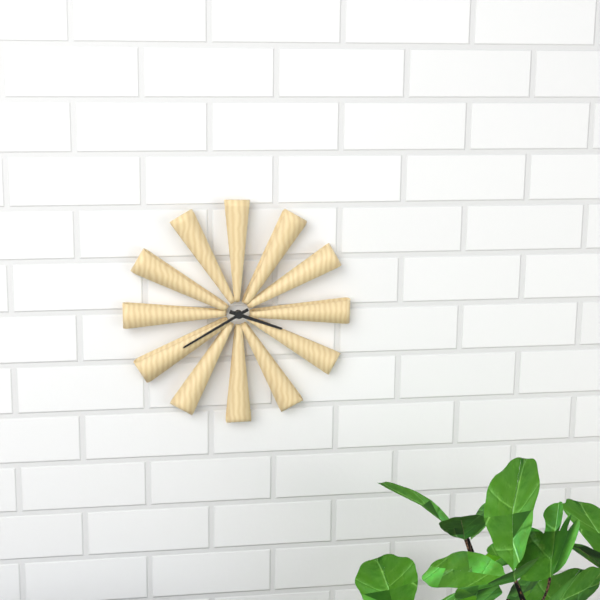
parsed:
3:40
